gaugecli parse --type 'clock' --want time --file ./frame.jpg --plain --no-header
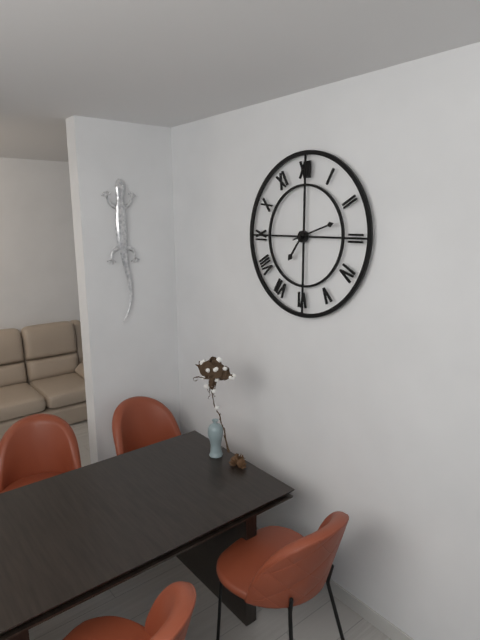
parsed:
7:12
